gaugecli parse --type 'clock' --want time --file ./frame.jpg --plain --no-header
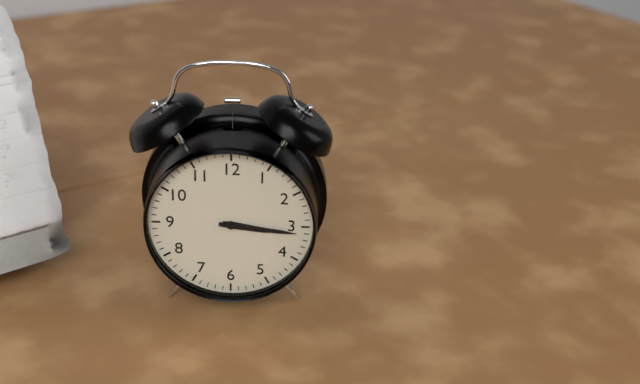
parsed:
3:16
